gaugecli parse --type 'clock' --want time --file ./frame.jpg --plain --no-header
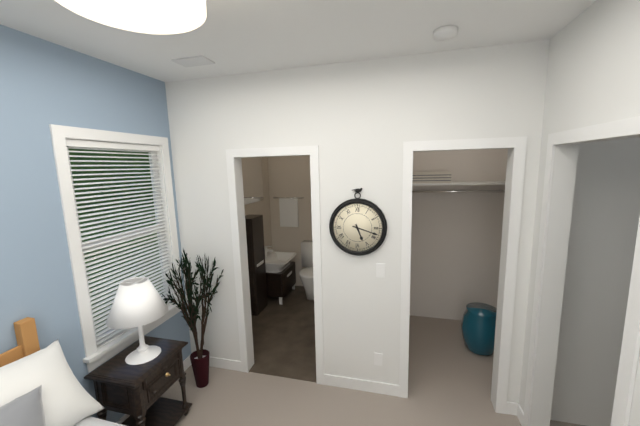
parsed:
5:18
